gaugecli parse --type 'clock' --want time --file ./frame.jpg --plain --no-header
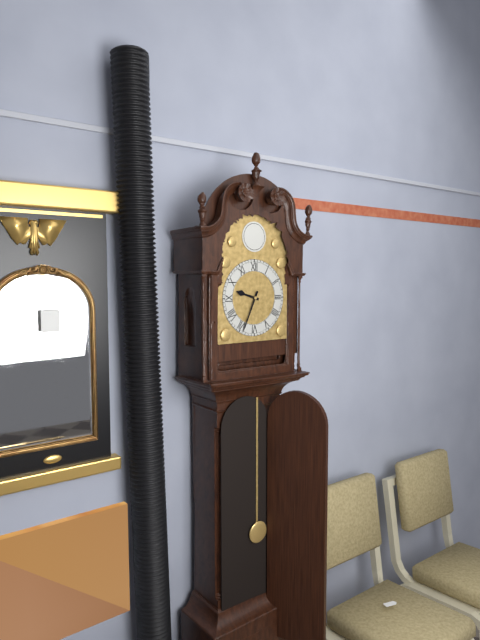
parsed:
9:34
